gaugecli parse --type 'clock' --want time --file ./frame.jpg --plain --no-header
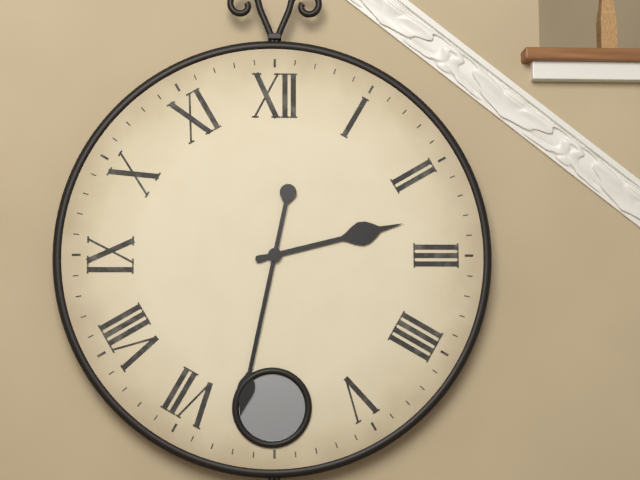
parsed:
2:32
